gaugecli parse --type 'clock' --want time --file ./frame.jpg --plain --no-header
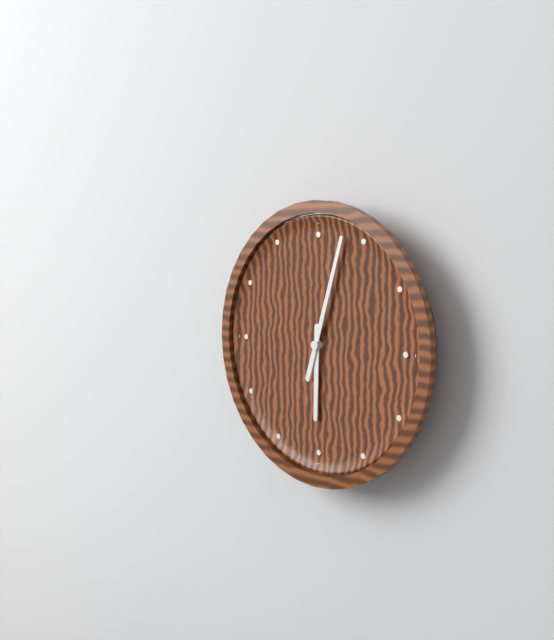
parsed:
6:03
